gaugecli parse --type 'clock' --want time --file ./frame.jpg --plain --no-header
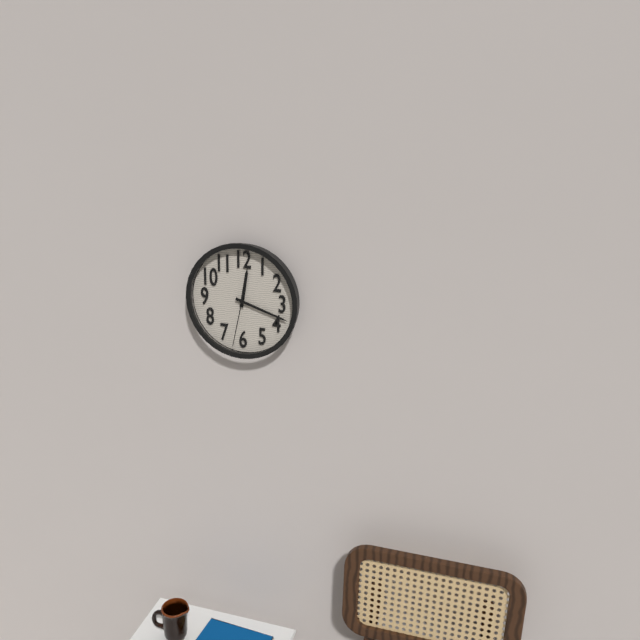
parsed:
12:18:32
